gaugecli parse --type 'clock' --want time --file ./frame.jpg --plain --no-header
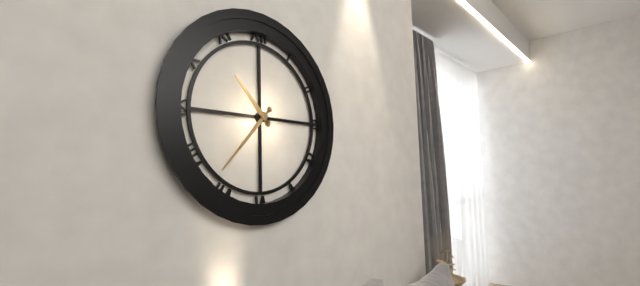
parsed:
10:37
